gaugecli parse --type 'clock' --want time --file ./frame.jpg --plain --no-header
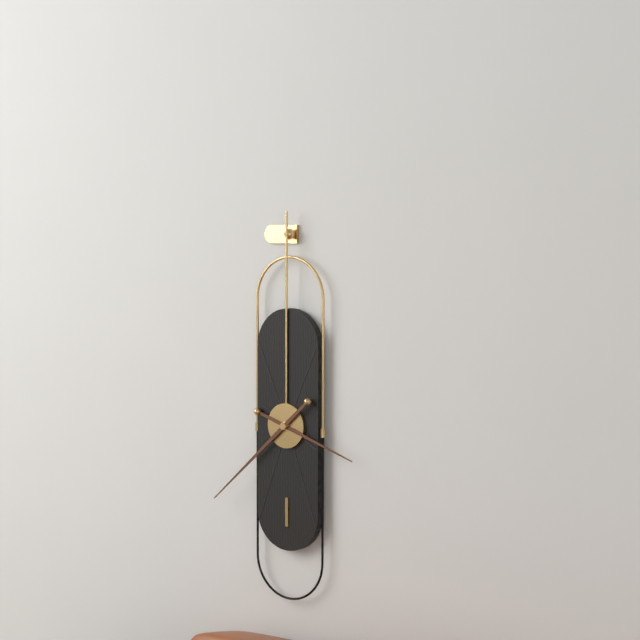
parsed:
3:38
